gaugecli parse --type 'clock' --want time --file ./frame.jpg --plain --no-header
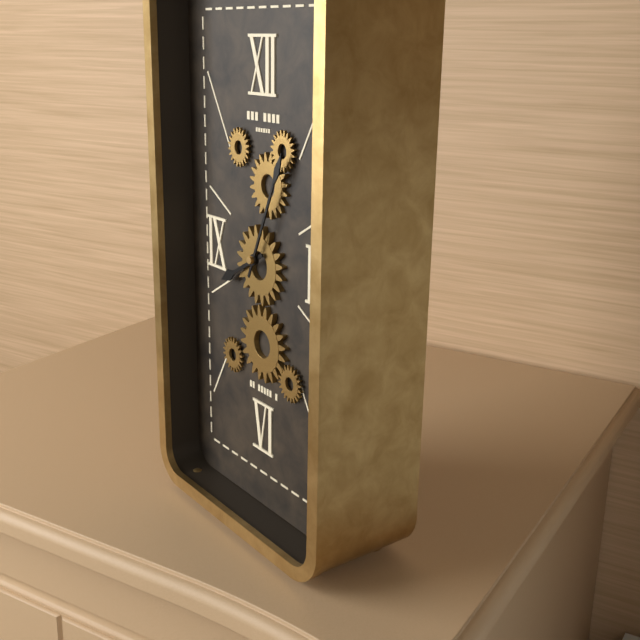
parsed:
8:04
